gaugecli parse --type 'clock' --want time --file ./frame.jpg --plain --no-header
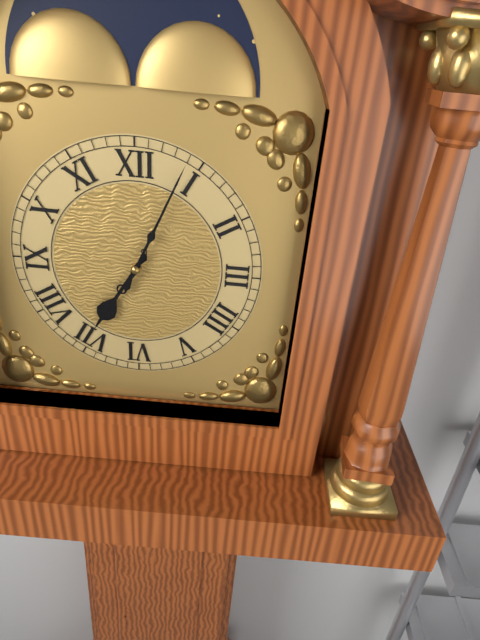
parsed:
7:04
